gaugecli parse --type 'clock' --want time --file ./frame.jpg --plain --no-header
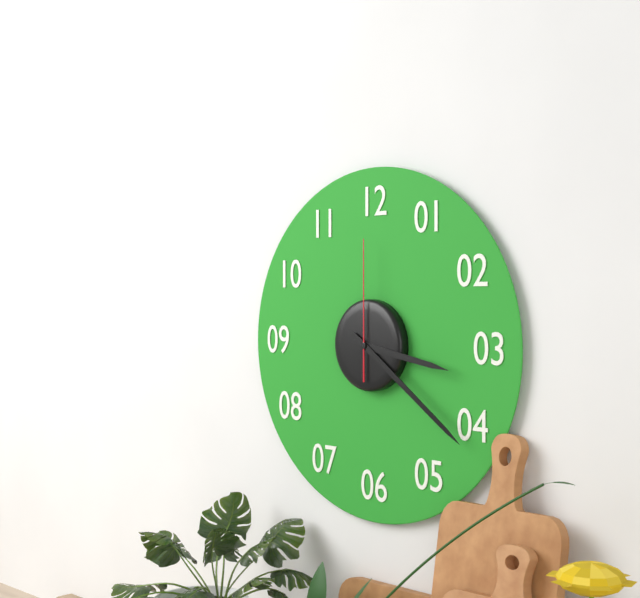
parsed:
3:21:00
